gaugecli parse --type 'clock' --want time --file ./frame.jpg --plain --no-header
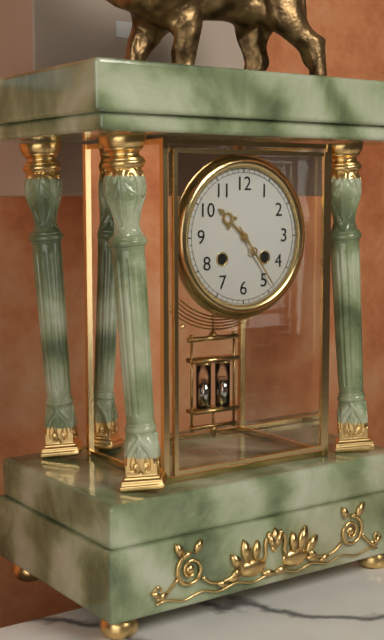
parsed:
10:24
